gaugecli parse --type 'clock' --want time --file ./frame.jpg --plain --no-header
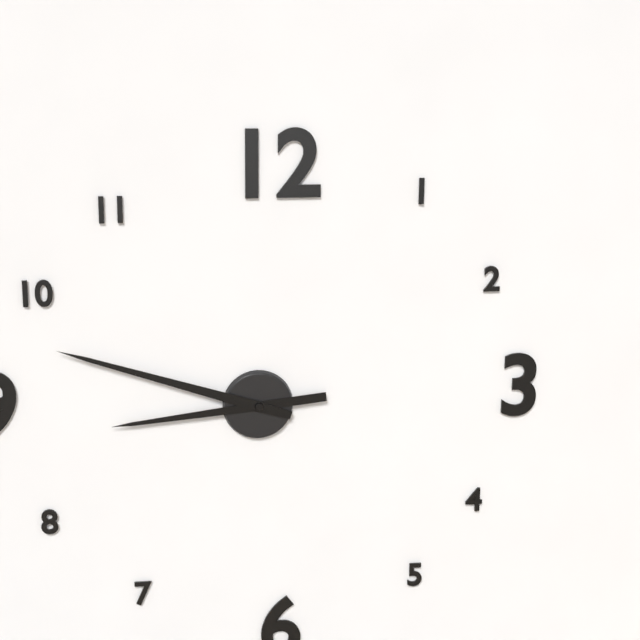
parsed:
8:48
